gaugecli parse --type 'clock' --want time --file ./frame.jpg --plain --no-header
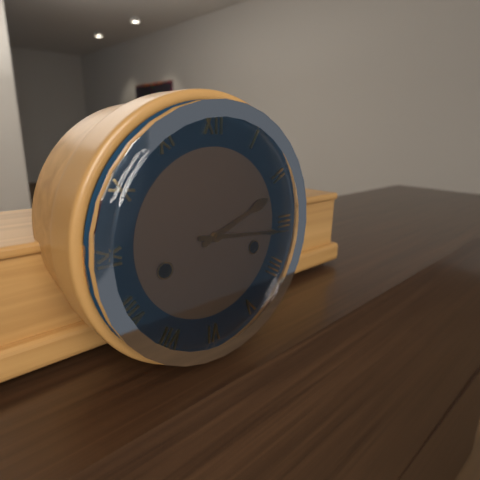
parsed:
2:16
